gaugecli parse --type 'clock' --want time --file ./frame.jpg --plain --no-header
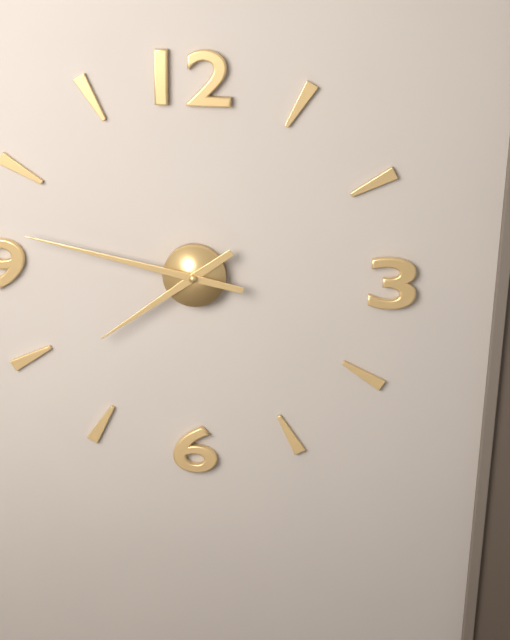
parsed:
7:47
